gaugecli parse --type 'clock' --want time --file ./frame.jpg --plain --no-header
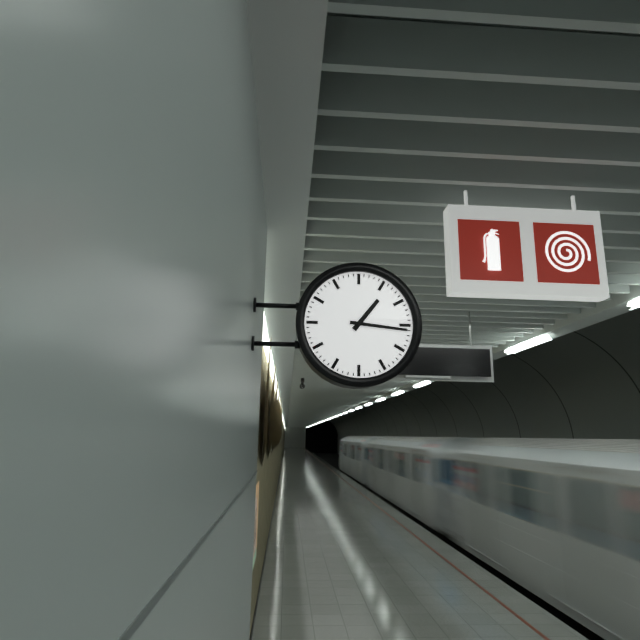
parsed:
1:16
